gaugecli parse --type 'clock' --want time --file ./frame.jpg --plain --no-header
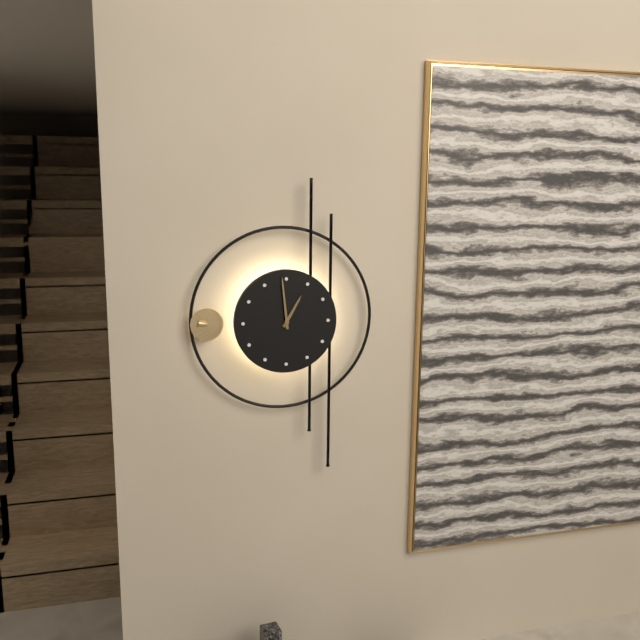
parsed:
12:59
